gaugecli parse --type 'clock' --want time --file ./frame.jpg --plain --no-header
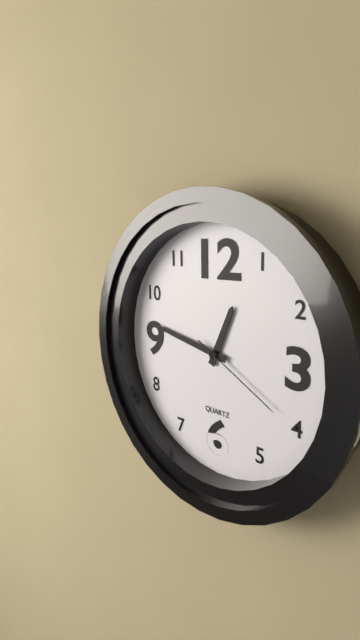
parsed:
12:47:20
